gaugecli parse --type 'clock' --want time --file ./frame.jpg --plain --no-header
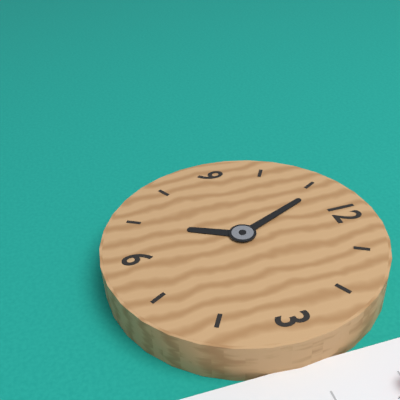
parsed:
6:56
